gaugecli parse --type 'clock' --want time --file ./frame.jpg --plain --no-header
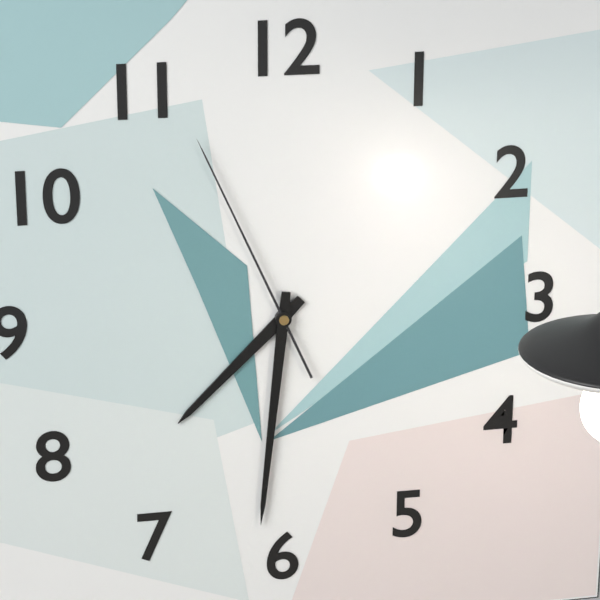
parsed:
7:31:56
